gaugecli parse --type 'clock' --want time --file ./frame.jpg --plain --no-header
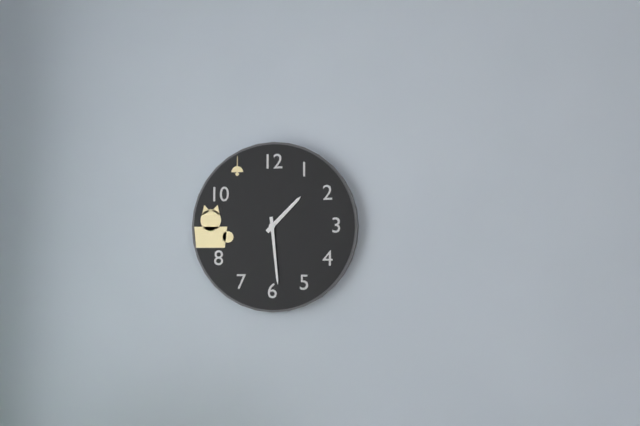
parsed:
1:29
